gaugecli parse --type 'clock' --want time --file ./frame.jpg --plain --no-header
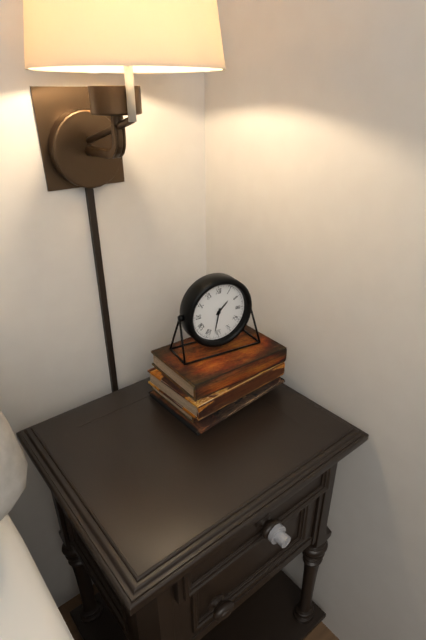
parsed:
1:32
